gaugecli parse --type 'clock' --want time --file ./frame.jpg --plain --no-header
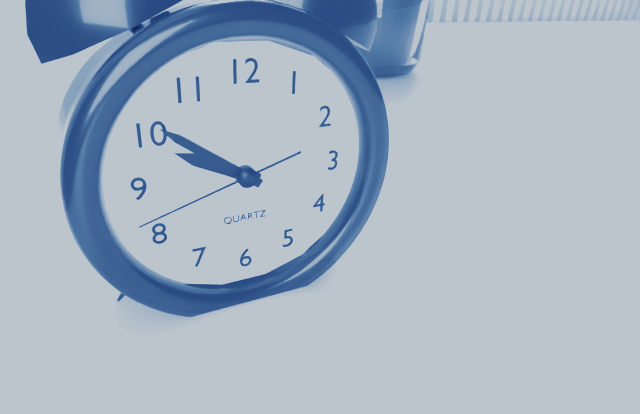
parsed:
9:51:42
